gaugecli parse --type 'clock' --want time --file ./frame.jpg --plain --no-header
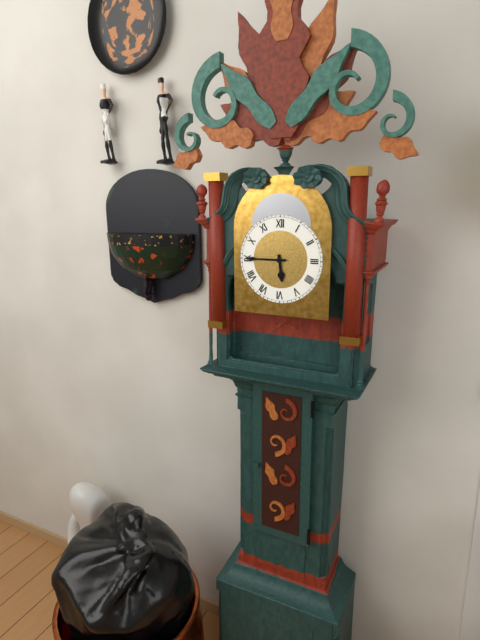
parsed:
5:45
